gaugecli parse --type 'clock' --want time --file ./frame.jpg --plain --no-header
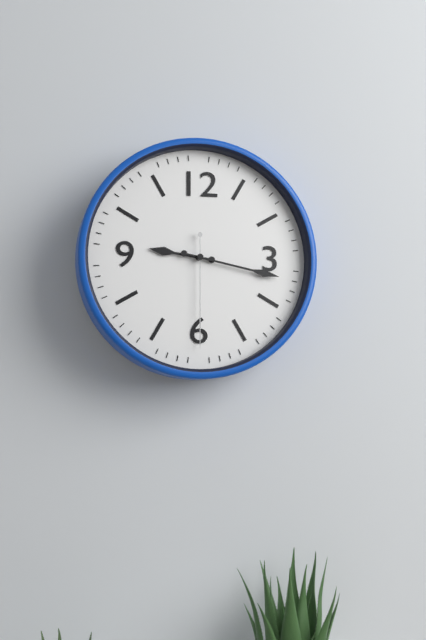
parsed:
9:17:30
